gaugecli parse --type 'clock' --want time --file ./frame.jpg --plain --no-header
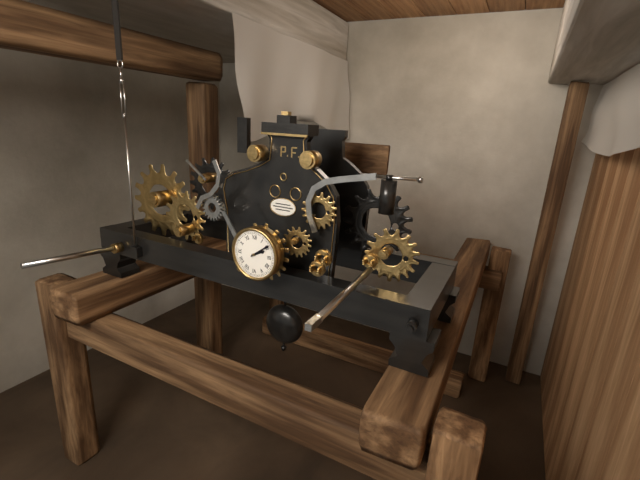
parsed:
2:09
